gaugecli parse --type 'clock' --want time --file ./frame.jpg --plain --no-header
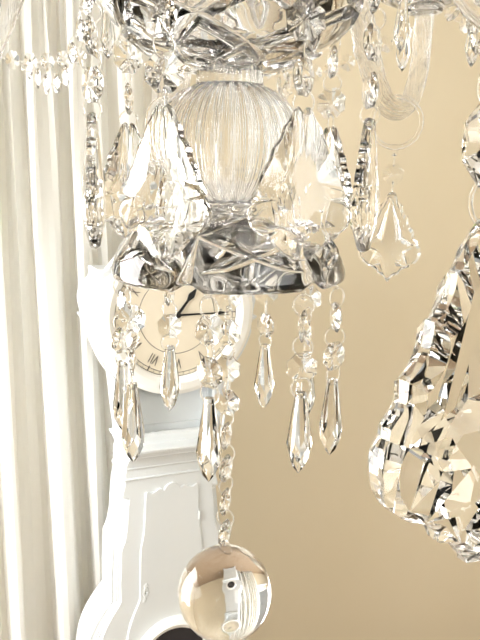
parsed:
1:15
